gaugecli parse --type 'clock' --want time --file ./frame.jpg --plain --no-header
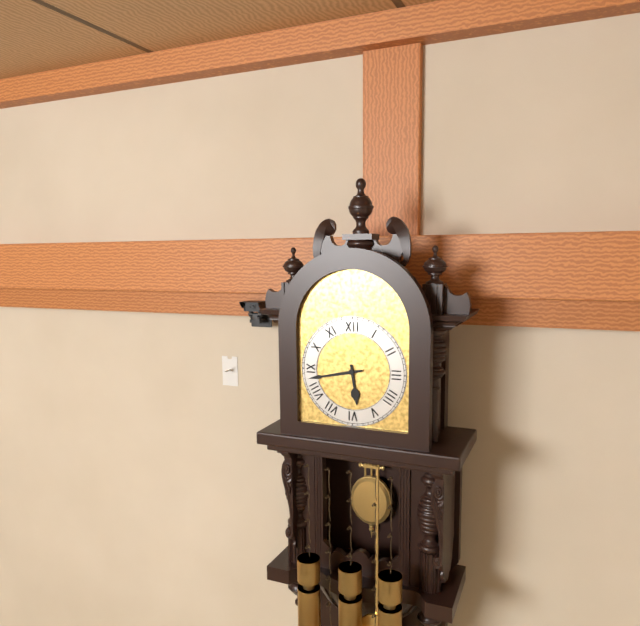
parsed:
5:43
